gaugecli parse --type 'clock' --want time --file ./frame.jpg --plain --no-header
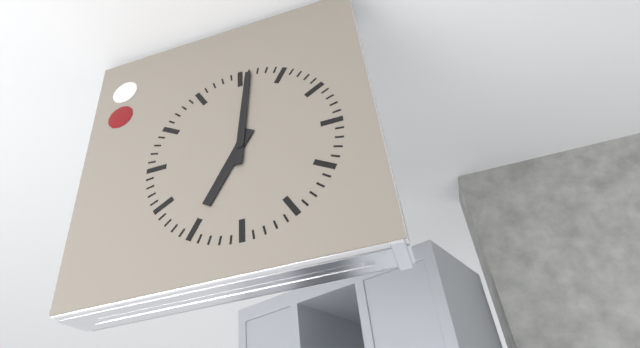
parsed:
7:01
